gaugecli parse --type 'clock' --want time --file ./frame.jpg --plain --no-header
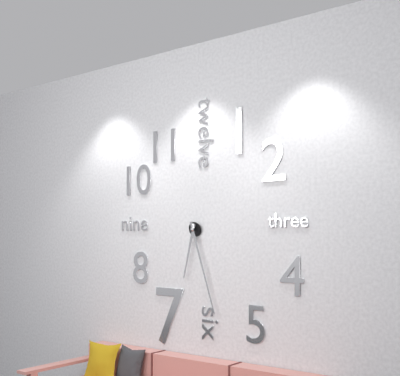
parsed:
6:27
